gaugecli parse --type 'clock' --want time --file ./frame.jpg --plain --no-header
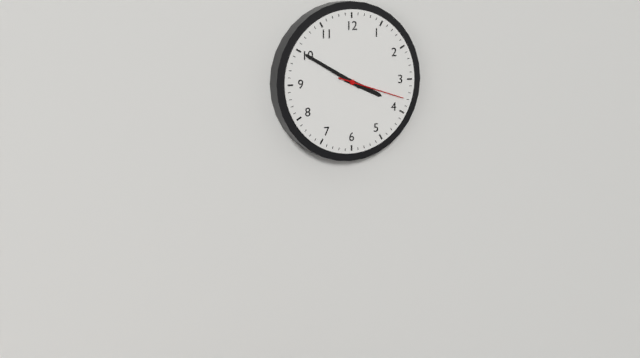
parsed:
3:50:18
